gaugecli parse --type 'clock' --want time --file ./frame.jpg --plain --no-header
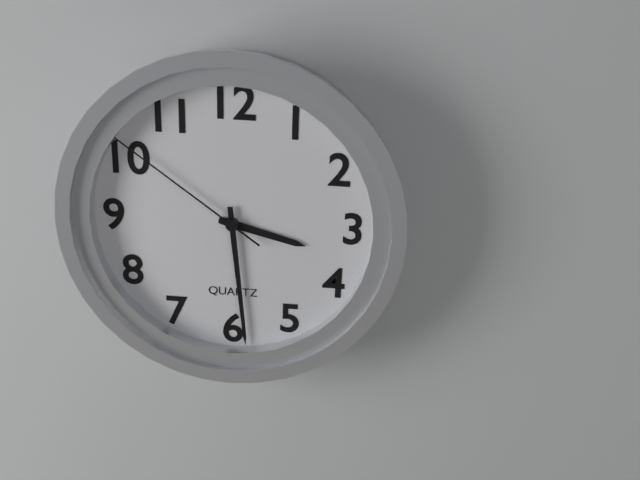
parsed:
3:29:51
